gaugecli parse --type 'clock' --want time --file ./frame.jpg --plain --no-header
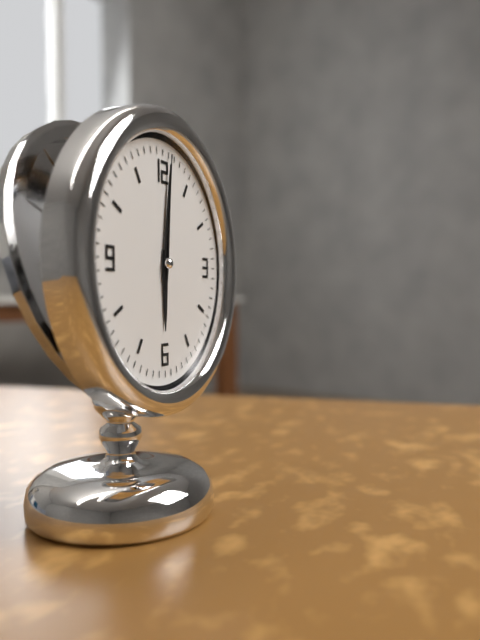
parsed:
6:01:01
